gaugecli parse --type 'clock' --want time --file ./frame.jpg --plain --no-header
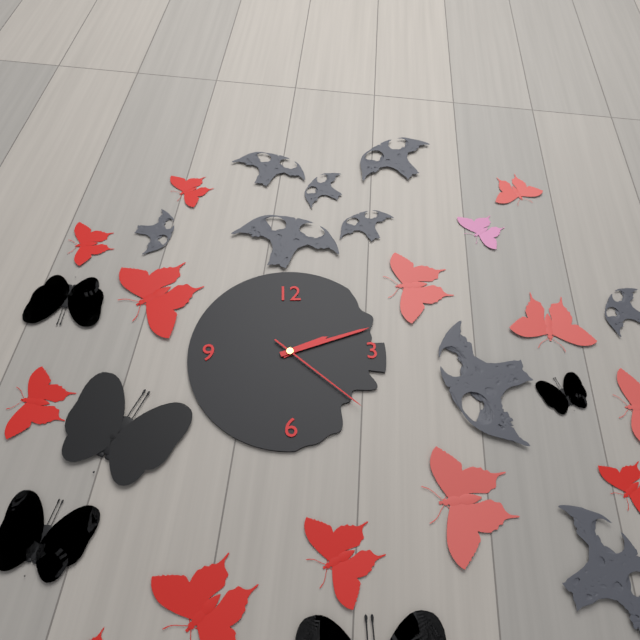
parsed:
2:12:22
